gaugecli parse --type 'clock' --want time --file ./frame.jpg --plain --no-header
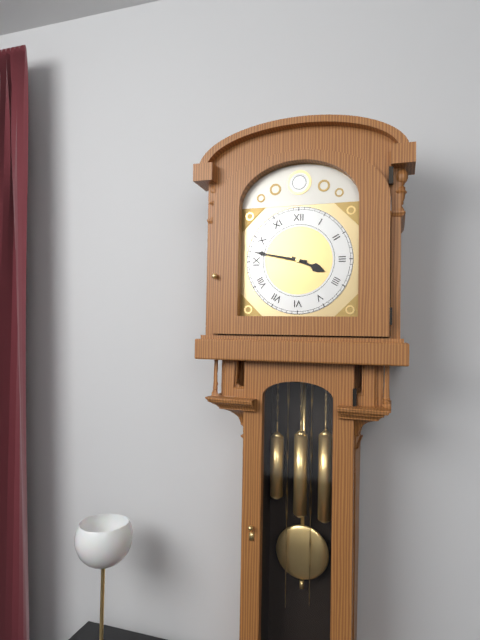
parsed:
3:47
